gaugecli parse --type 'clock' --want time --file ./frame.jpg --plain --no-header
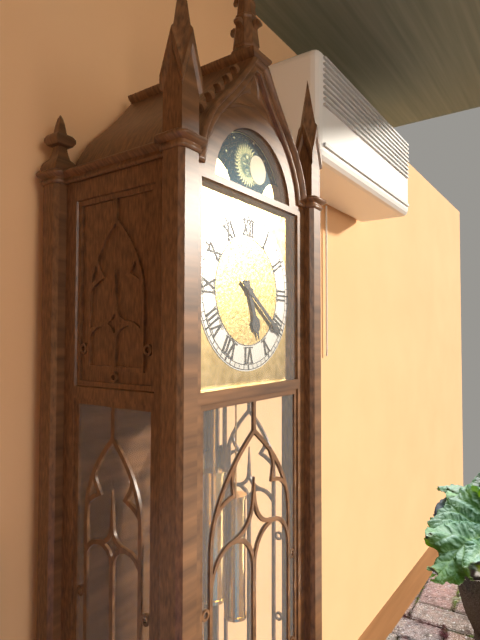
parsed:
5:21
